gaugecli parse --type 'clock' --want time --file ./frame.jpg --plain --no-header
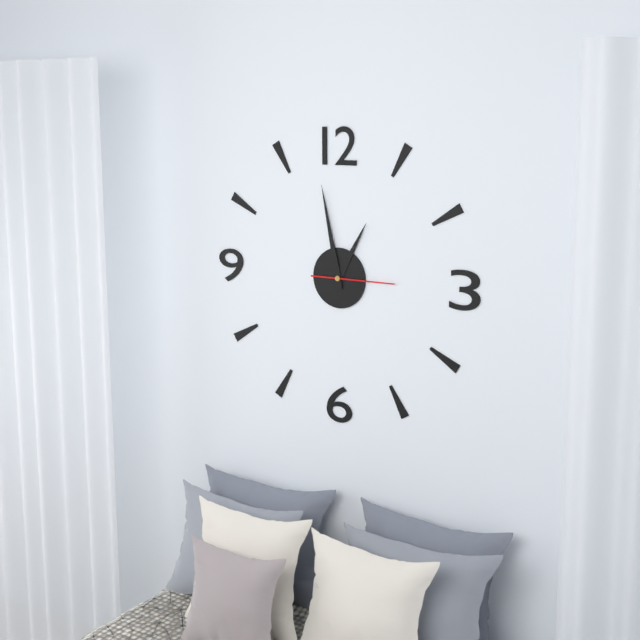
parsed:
12:58:15
